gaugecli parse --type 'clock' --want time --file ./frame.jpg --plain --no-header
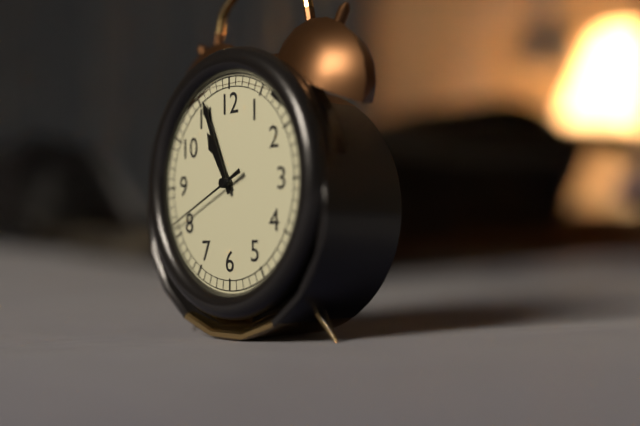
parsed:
10:56:41
